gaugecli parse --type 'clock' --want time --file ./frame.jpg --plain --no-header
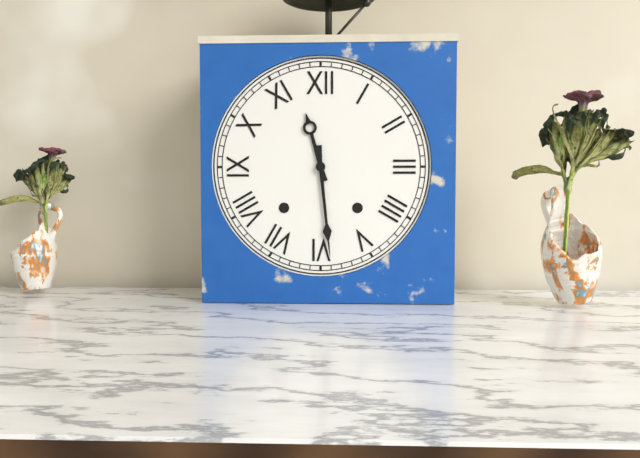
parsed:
11:29
